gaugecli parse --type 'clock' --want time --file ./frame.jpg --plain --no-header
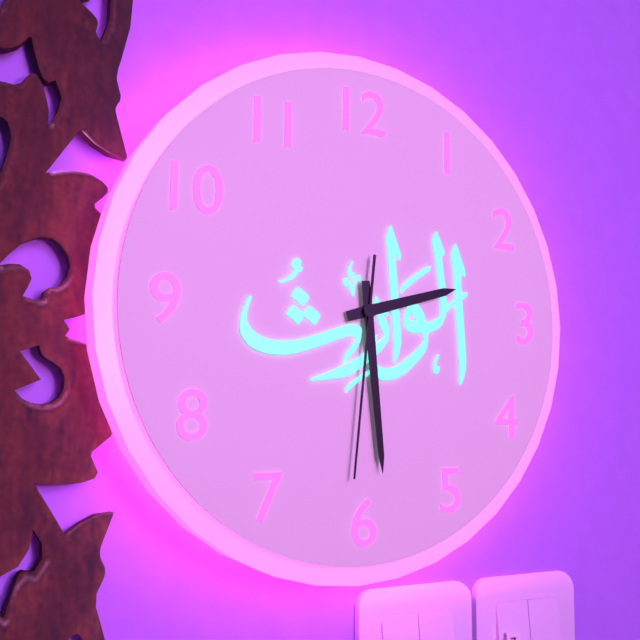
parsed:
2:29:31
